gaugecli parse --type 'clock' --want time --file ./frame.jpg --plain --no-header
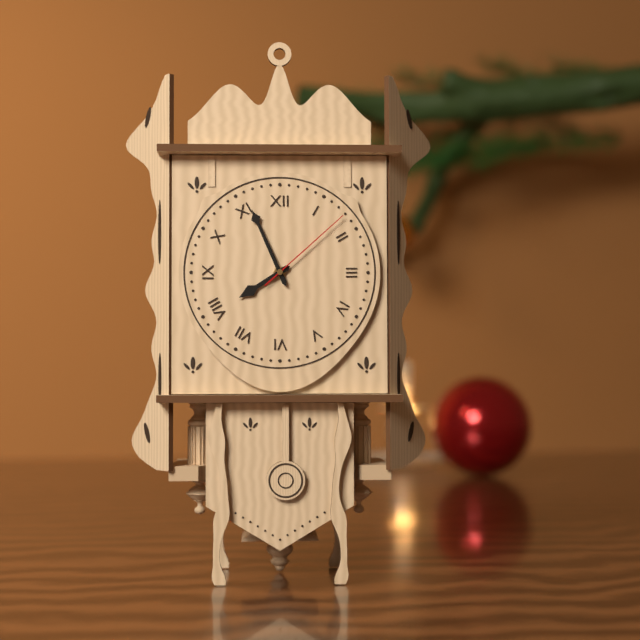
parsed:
7:56:08
